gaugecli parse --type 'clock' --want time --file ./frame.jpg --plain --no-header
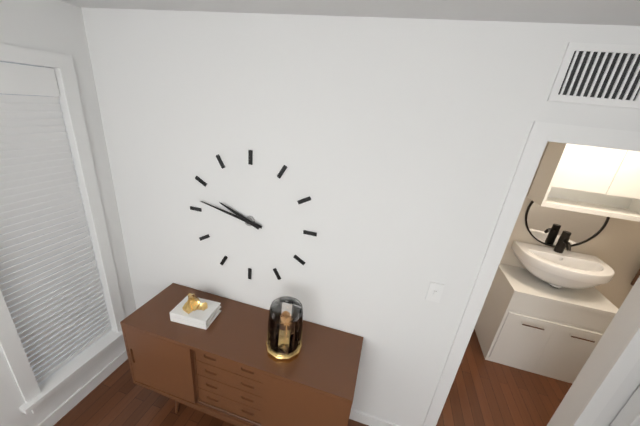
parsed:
9:47
